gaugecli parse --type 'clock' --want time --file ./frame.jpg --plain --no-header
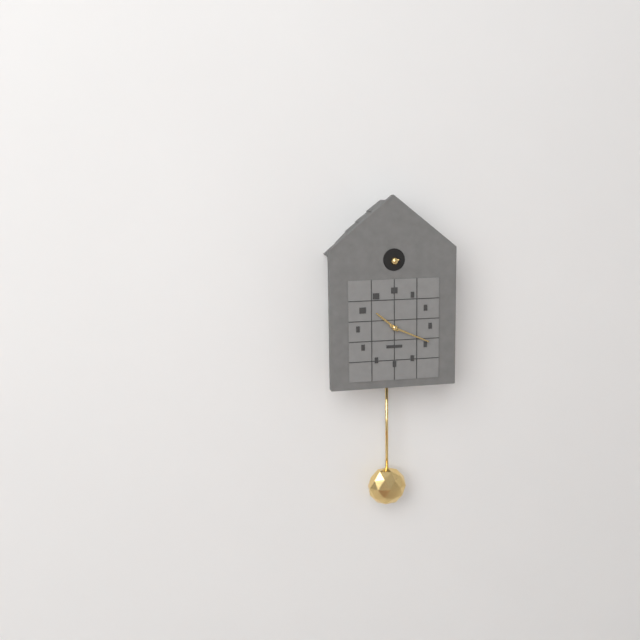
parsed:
10:19
